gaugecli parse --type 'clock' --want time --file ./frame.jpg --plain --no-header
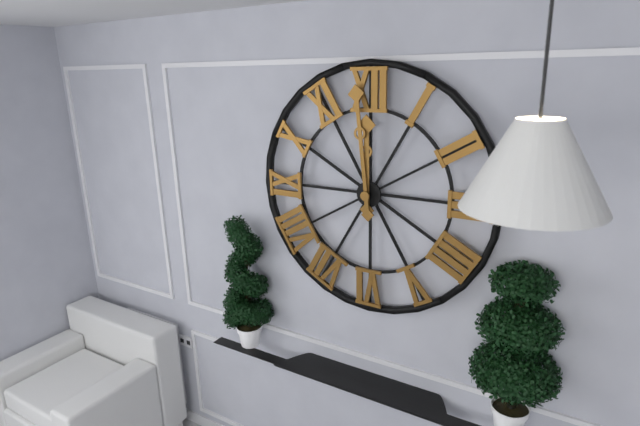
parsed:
11:59
